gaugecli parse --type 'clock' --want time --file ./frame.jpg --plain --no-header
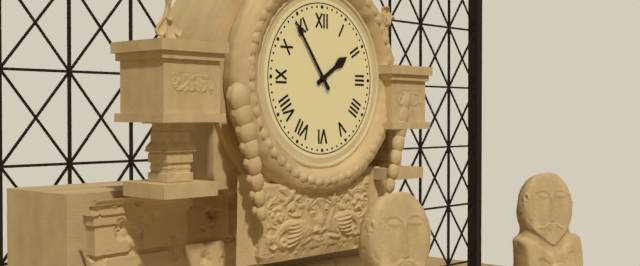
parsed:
1:54
